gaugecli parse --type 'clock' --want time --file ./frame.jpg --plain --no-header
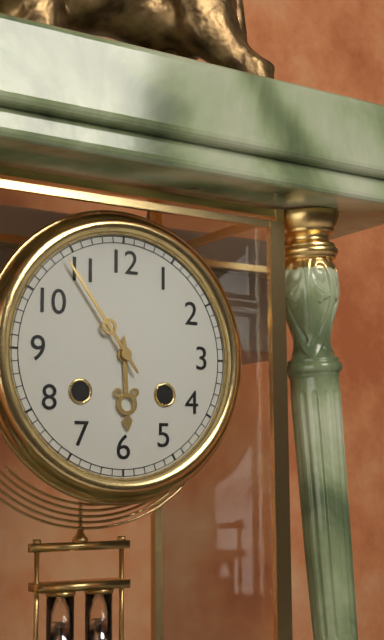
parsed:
5:54
